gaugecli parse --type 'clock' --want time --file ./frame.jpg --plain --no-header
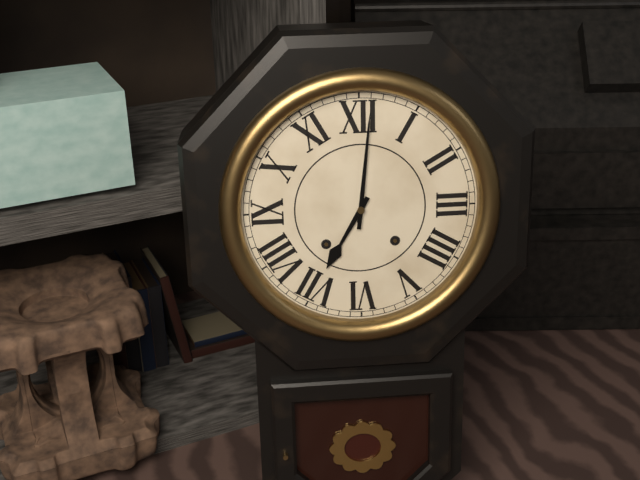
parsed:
7:01
